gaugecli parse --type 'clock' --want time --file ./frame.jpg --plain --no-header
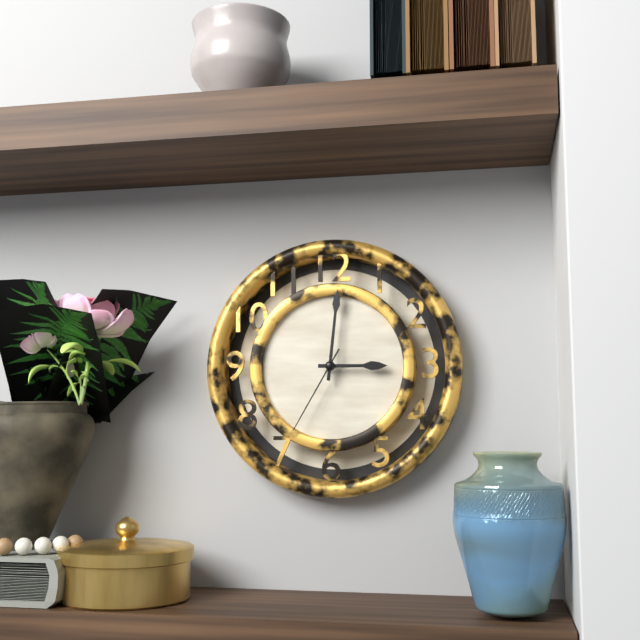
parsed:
3:01:35
